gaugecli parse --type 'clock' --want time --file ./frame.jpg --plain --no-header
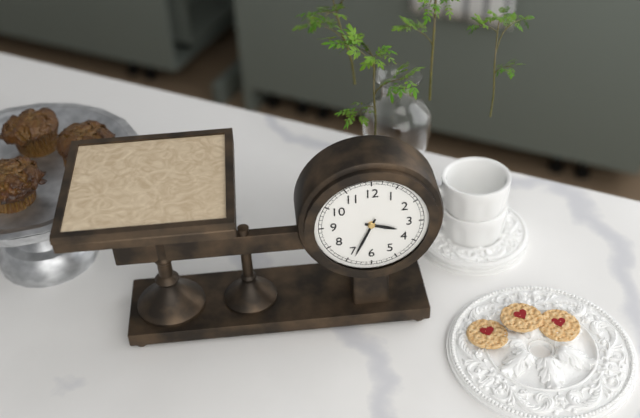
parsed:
3:34
